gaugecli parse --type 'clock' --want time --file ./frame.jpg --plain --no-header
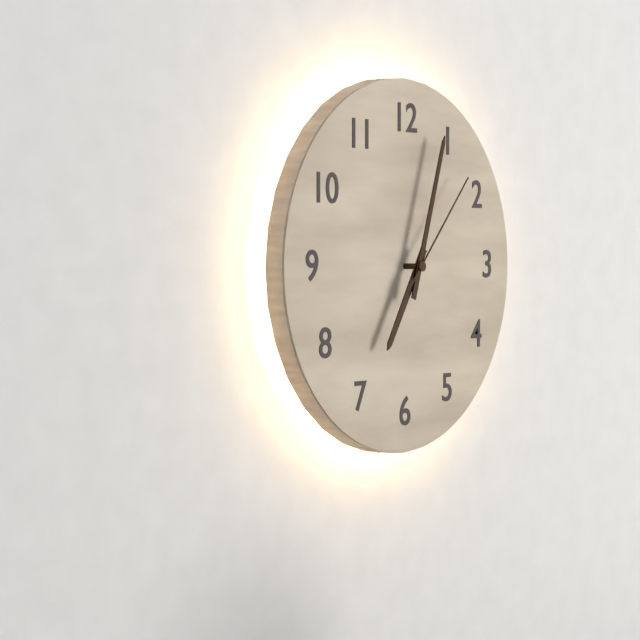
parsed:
7:03:07
